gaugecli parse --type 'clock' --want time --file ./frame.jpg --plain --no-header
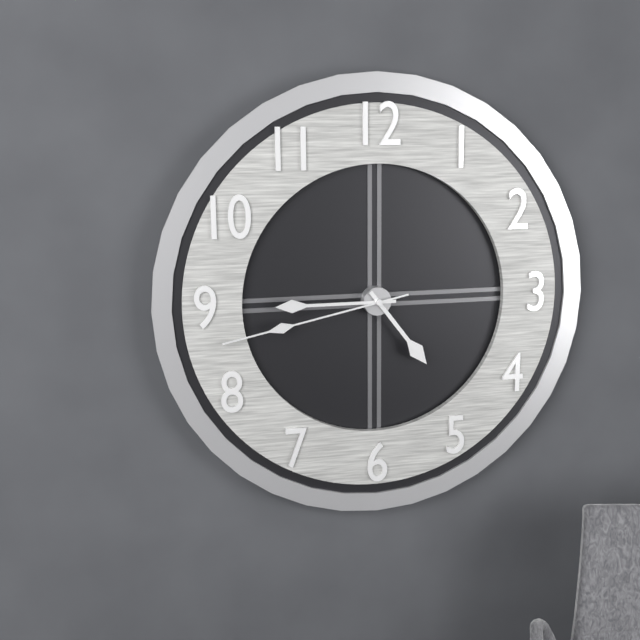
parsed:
4:45:43
